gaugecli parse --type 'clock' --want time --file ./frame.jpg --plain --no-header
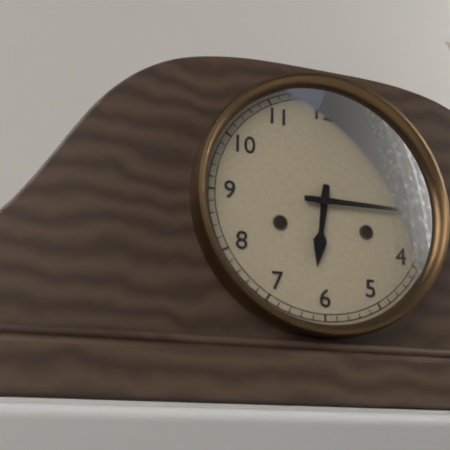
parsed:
6:15
